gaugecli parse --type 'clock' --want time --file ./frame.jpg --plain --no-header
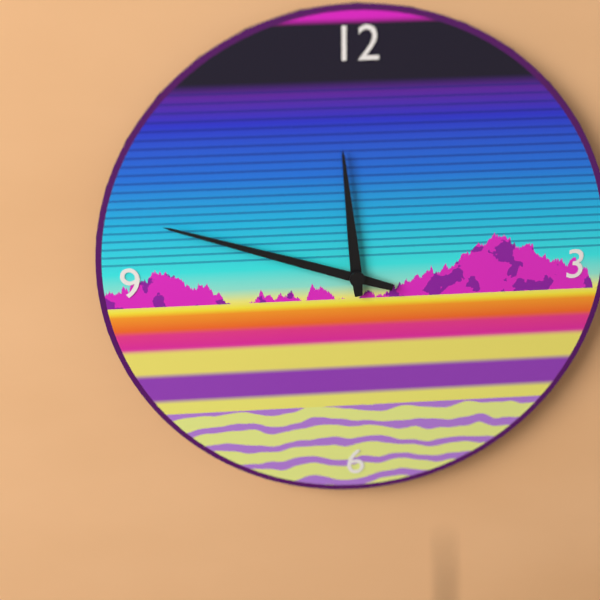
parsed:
11:48
